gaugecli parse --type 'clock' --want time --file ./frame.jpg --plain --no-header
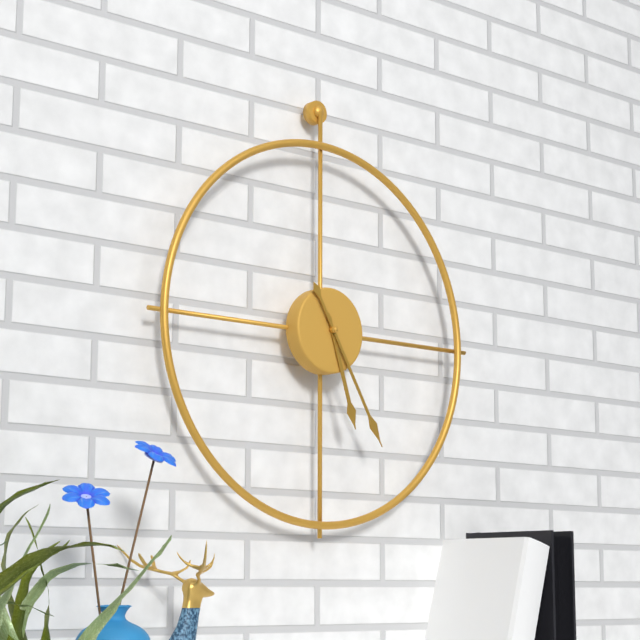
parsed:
5:25
